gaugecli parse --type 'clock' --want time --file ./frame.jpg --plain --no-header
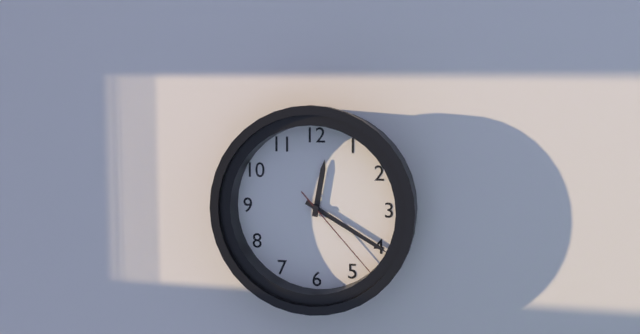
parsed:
12:20:23
